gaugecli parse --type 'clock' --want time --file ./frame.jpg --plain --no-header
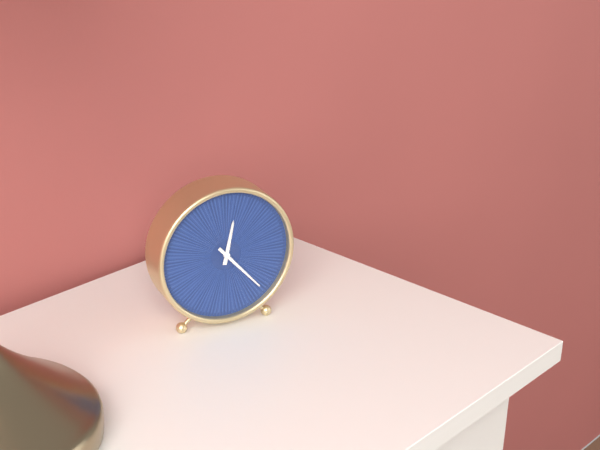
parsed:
12:23
